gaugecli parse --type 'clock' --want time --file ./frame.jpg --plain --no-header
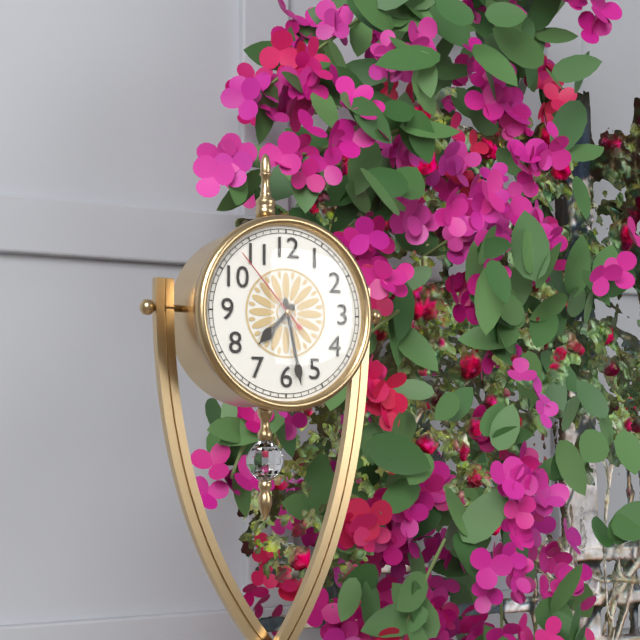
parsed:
7:28:53
